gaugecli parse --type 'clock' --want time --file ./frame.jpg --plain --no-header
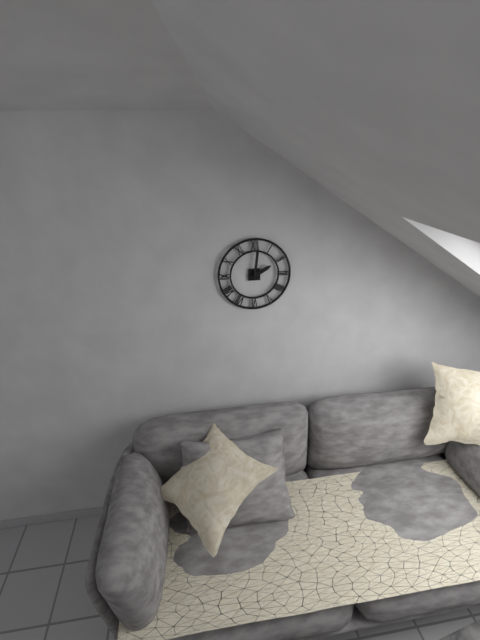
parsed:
2:01
